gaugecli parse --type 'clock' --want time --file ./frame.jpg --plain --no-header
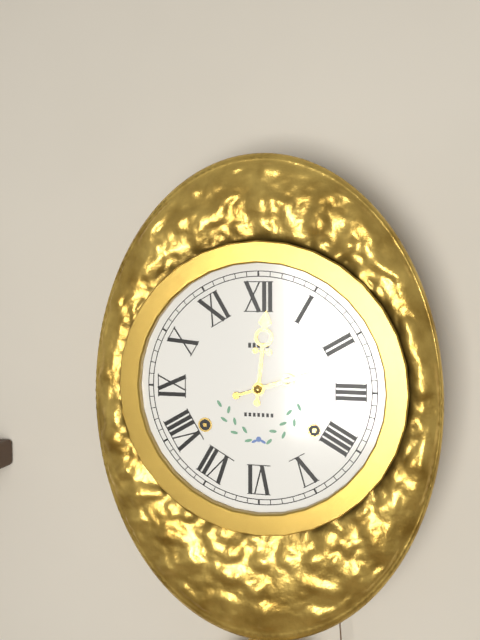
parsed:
12:12
